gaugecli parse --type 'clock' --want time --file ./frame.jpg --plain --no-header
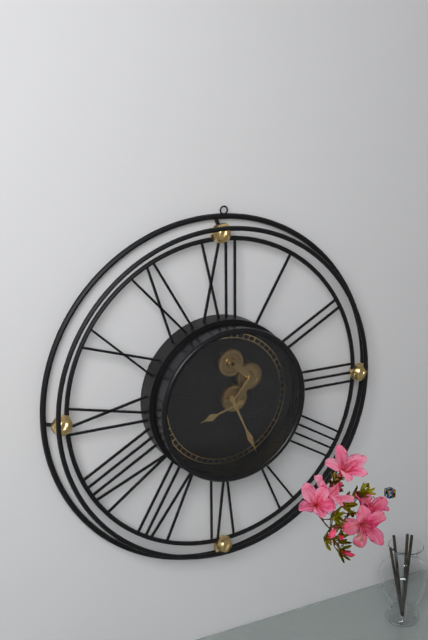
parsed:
8:26
